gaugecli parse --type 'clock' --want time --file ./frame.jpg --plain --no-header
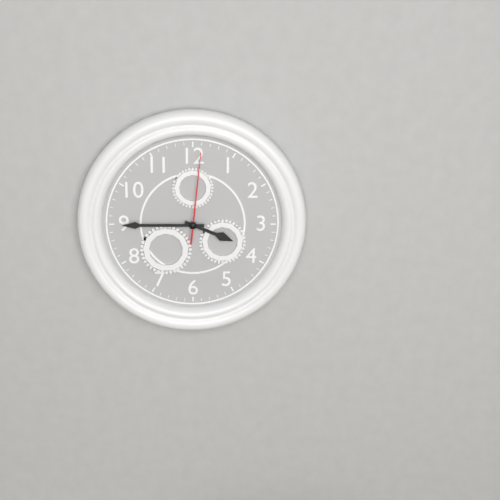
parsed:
3:45:01
